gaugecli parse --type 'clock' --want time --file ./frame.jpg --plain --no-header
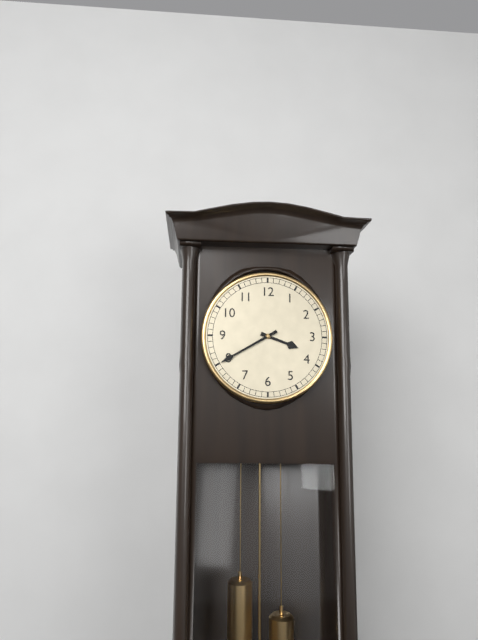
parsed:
3:40
